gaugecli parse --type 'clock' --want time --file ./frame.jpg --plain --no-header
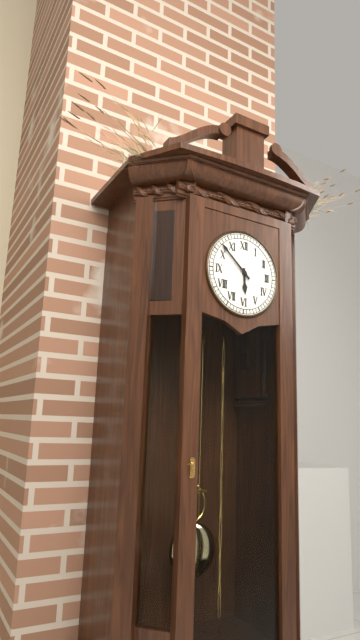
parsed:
5:52
